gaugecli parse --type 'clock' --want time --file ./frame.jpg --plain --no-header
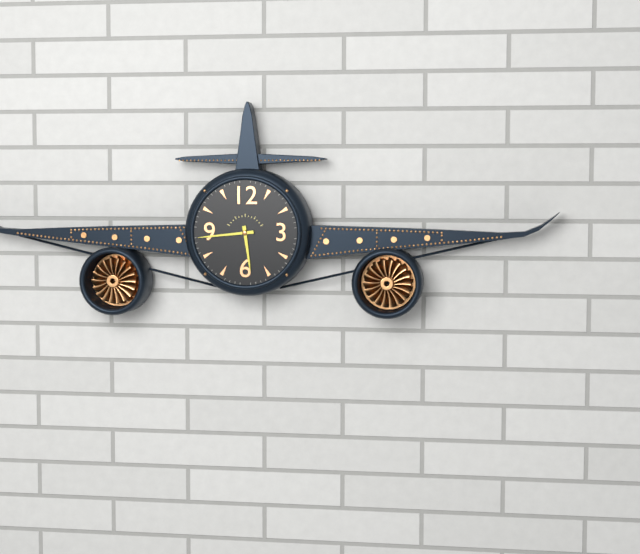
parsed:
5:44
